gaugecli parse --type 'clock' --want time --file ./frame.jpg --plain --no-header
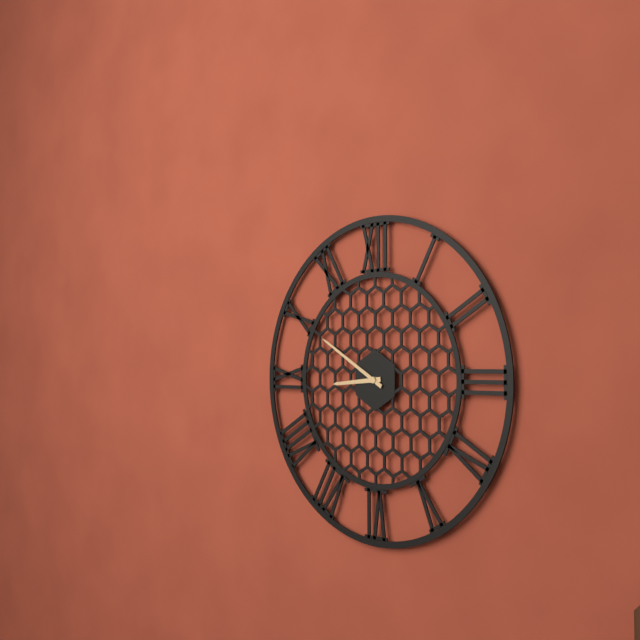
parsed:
8:50
